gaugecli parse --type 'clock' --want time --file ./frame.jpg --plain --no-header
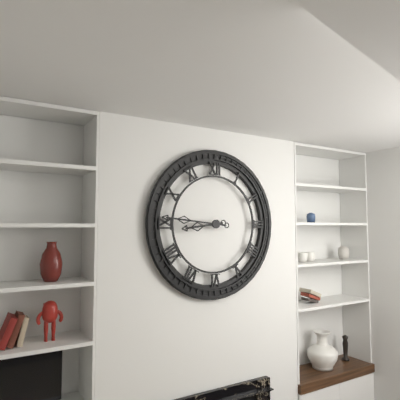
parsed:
8:46
